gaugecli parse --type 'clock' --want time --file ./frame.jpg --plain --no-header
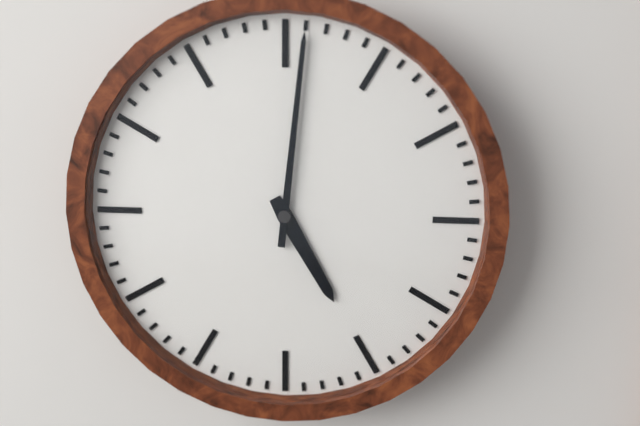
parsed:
5:01
